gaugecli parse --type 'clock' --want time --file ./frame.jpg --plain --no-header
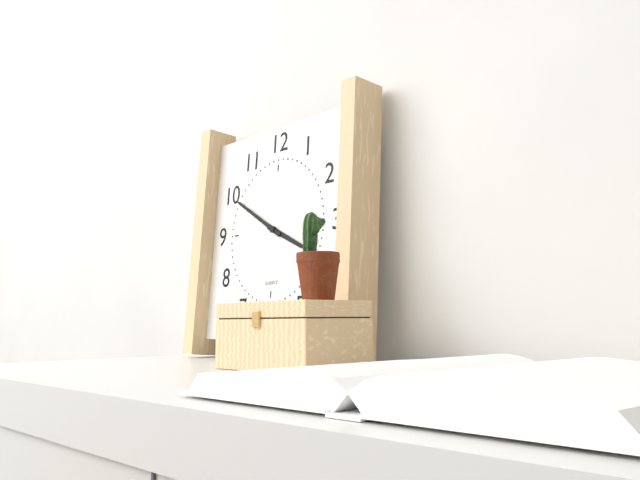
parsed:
3:50
